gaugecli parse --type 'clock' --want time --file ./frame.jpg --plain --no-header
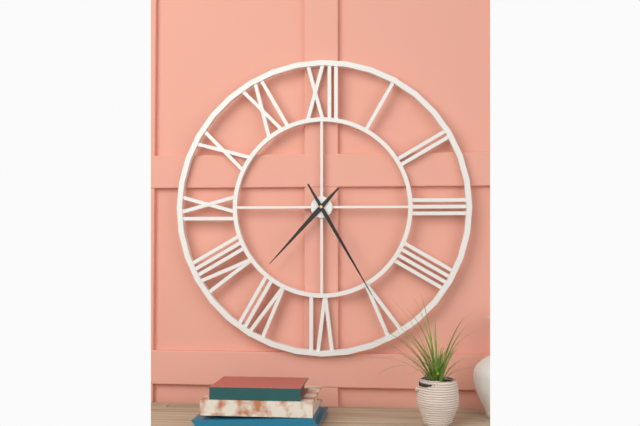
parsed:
7:25
